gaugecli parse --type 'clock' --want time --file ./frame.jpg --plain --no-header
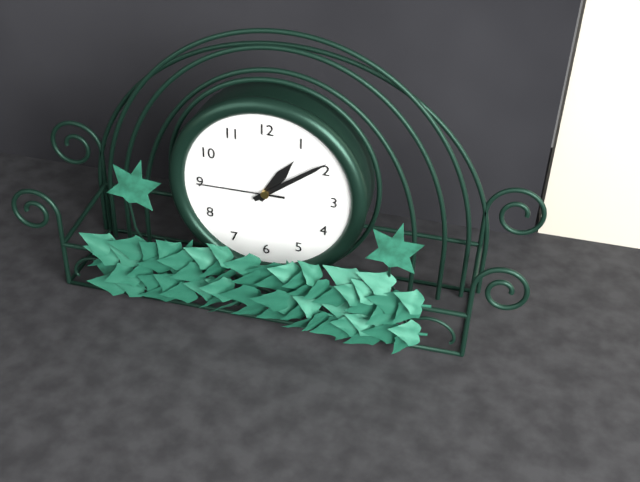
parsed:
1:09:45
